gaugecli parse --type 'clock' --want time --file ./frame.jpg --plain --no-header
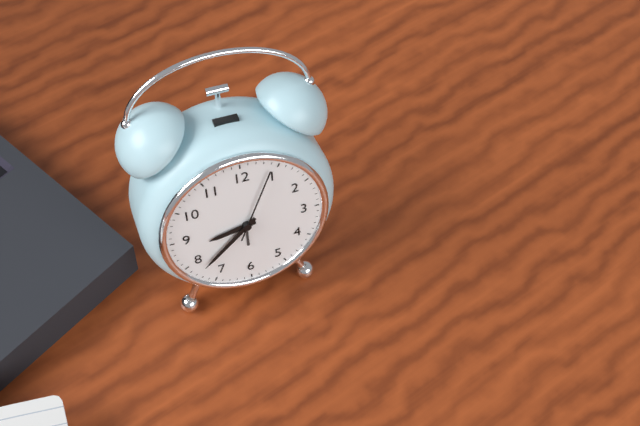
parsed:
8:38:04
